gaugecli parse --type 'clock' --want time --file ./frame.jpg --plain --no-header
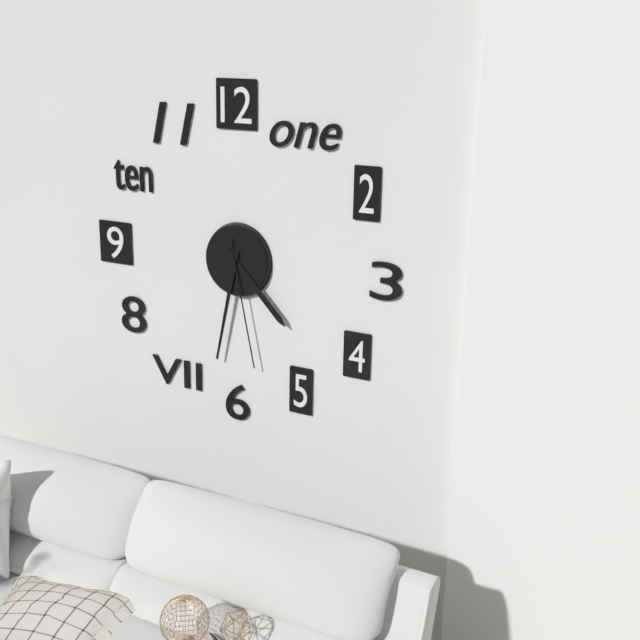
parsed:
4:32:28
